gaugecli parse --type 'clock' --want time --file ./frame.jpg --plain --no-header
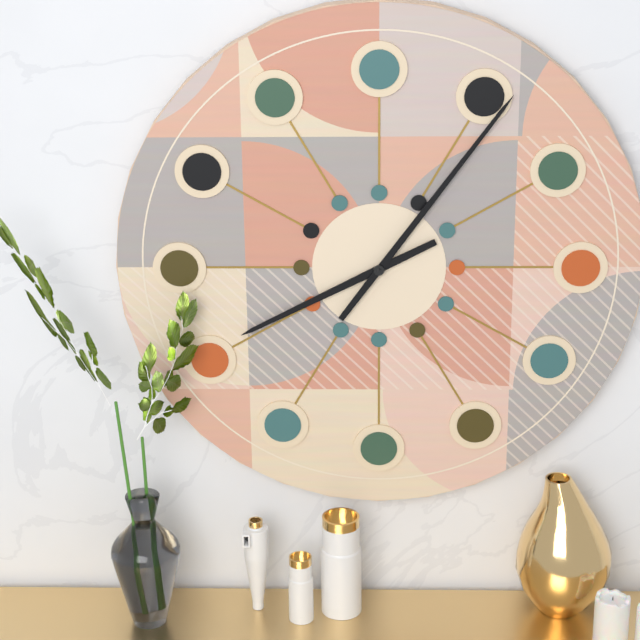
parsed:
8:06
